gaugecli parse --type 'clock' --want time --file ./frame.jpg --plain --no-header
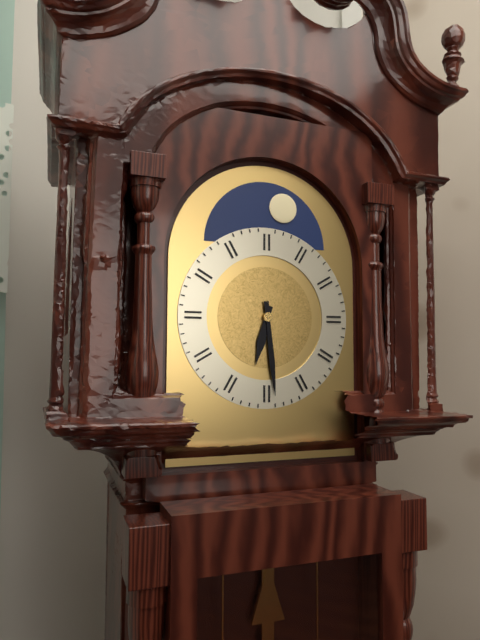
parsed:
6:29
